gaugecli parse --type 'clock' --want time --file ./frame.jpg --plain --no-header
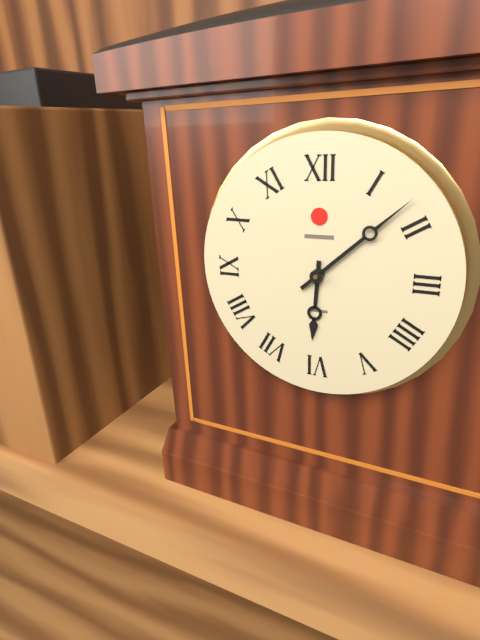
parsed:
6:08
